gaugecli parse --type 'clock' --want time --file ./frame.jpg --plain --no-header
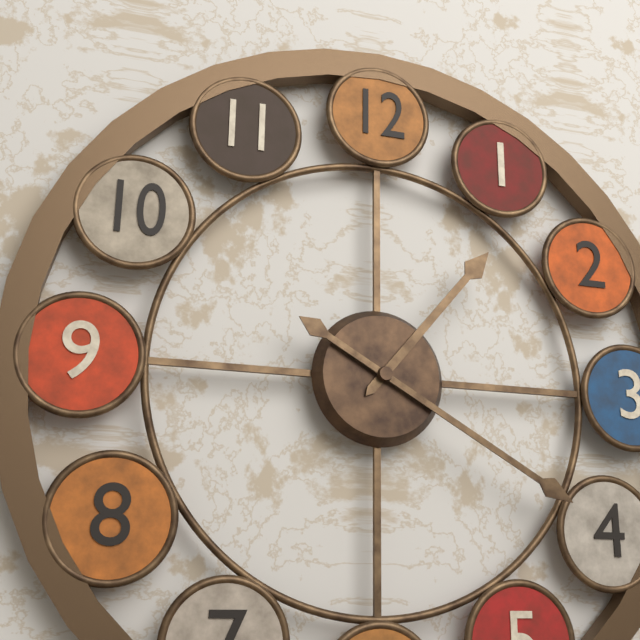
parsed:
1:20
